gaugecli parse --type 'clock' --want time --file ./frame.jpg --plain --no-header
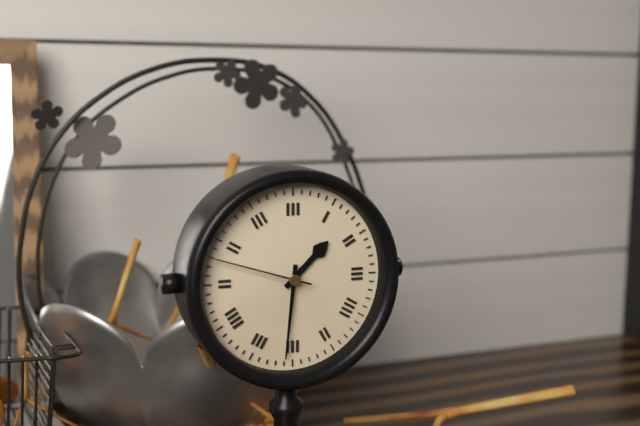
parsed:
1:31:48
